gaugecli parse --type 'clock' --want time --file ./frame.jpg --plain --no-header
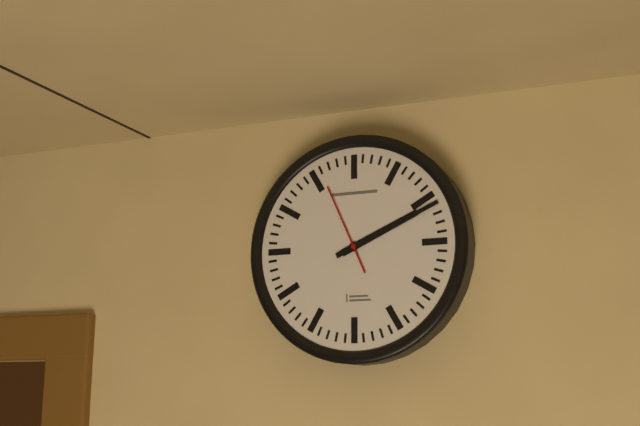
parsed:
2:11:56
